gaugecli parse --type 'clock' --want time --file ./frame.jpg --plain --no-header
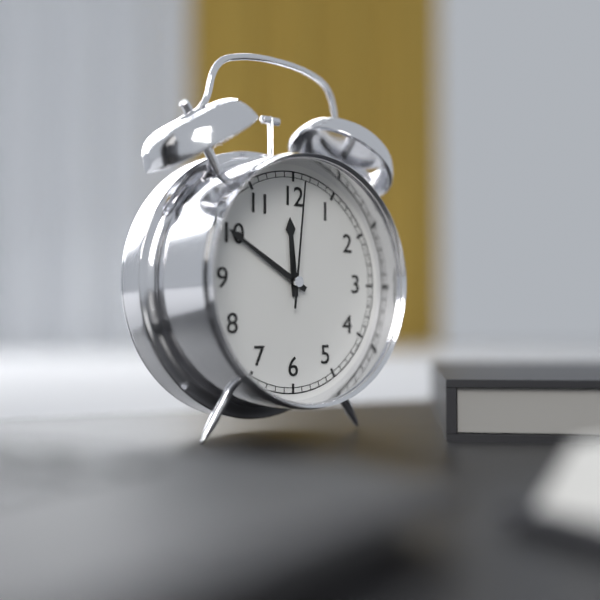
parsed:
11:50:01
